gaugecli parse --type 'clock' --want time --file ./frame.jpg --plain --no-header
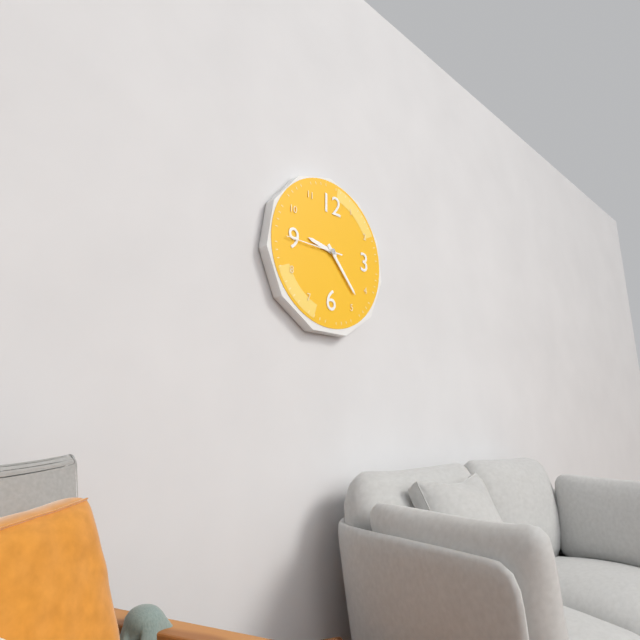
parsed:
9:23:45
